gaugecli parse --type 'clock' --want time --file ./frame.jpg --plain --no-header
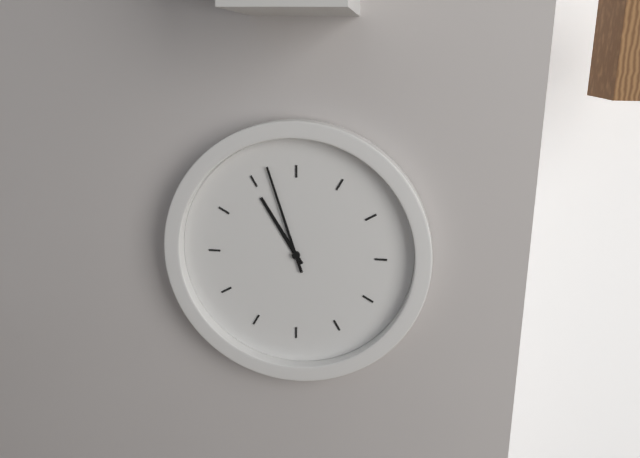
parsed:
10:57
